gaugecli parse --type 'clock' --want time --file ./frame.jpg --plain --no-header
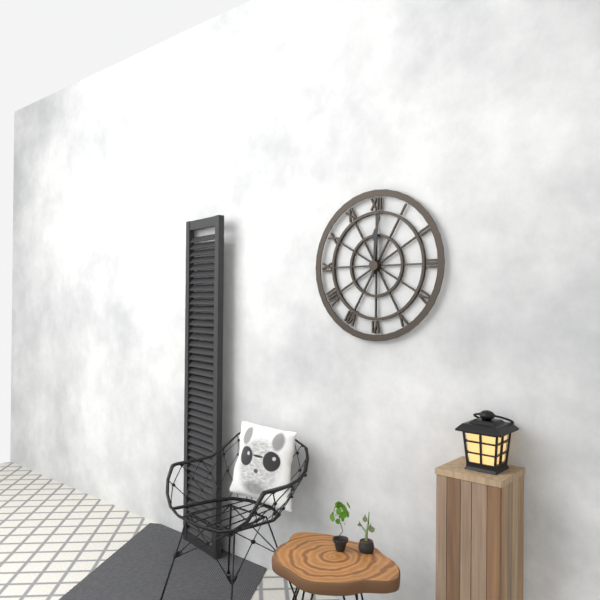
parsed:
12:01
